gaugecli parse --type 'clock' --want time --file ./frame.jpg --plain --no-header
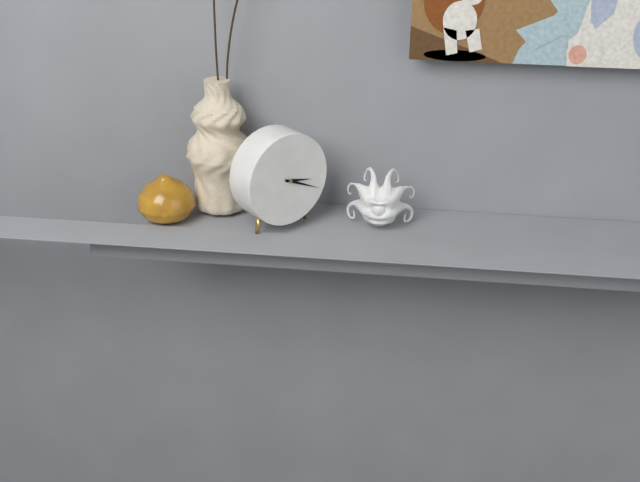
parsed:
3:19
